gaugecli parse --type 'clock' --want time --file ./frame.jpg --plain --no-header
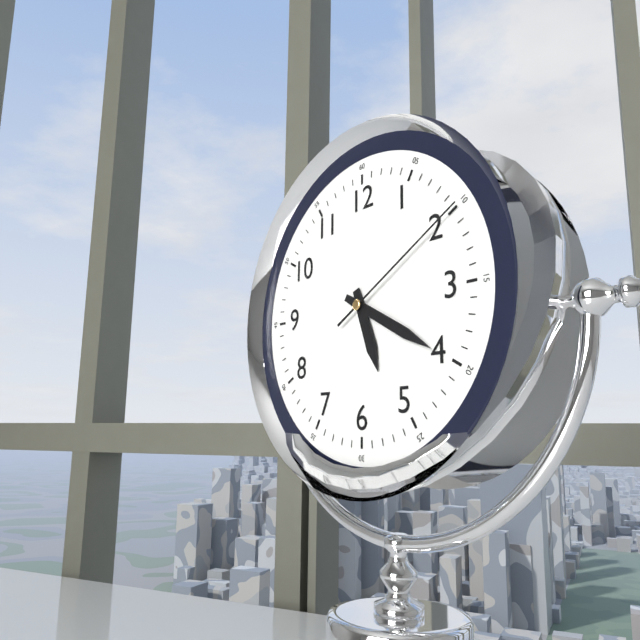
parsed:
5:20:10
